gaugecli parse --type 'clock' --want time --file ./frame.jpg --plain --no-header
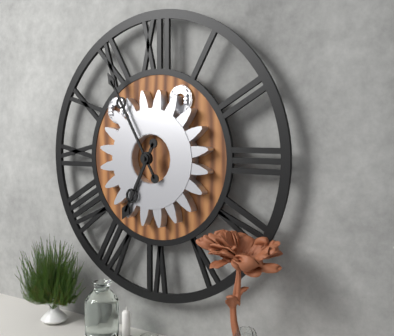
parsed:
6:55
